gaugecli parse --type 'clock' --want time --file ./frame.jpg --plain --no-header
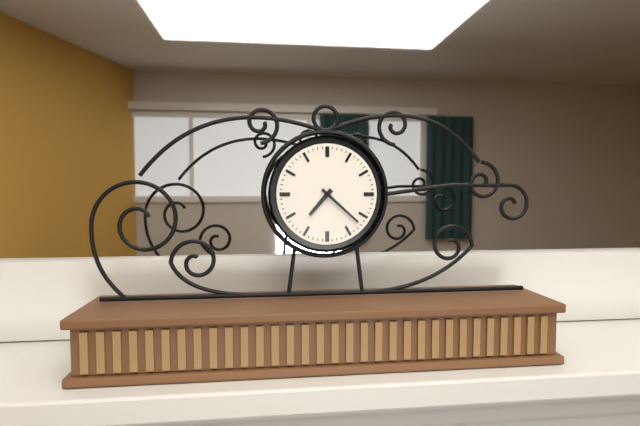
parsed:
7:22
